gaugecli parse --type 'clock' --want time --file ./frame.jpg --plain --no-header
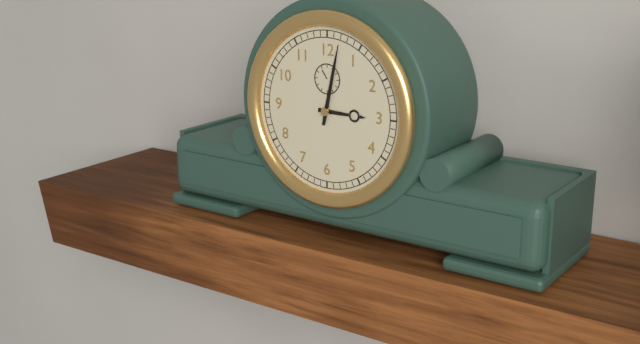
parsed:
3:02
